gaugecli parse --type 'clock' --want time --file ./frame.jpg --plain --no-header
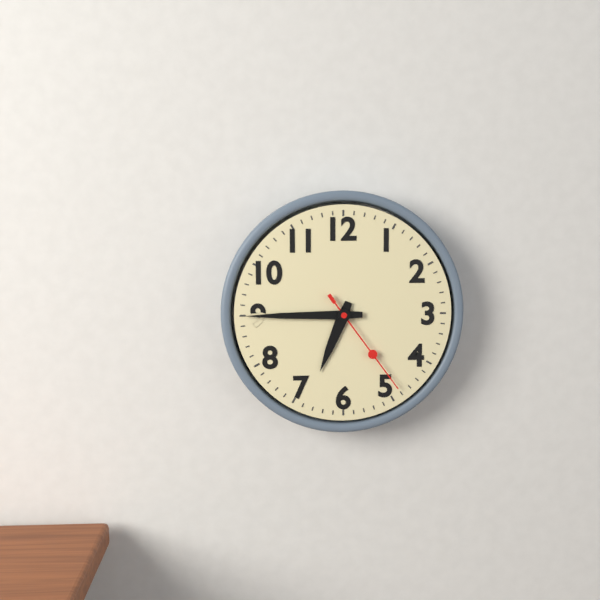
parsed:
6:45:24
